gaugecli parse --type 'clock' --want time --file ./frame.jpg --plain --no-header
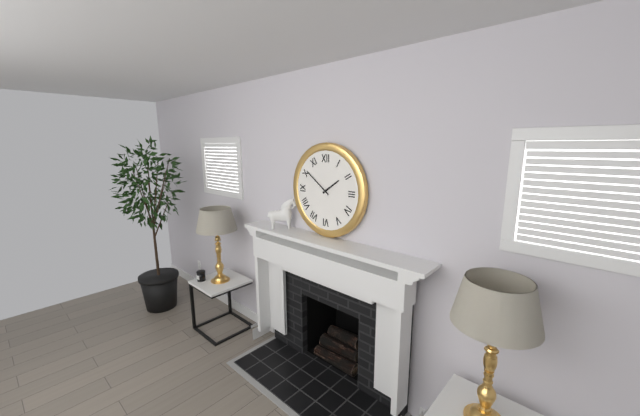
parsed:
1:51
